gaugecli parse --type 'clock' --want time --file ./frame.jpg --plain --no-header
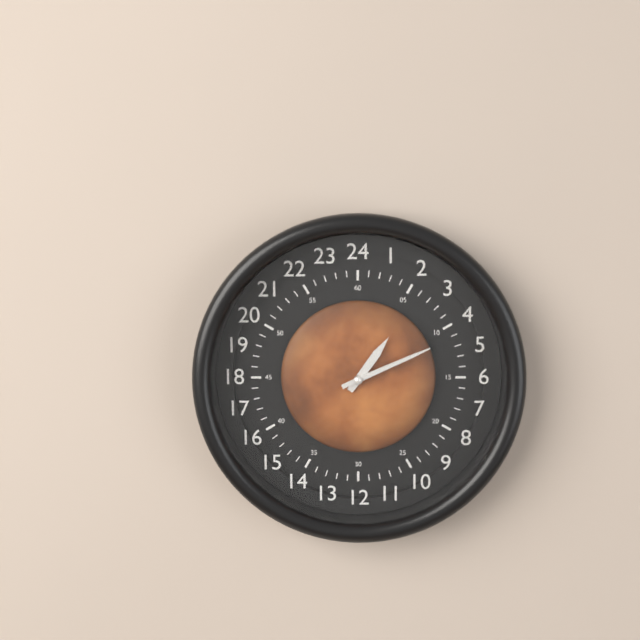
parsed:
1:11
